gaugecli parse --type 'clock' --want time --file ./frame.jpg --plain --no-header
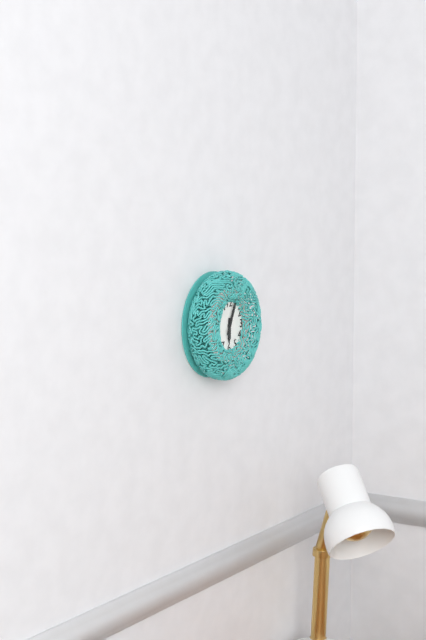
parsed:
6:04
